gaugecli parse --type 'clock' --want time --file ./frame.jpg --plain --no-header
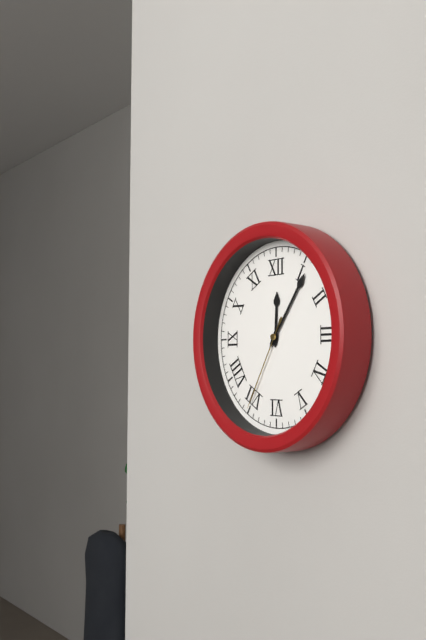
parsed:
12:06:35
